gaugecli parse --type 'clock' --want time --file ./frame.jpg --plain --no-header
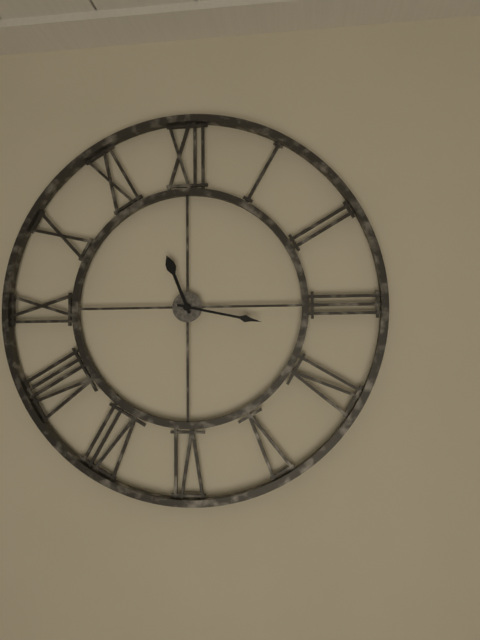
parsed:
11:17
